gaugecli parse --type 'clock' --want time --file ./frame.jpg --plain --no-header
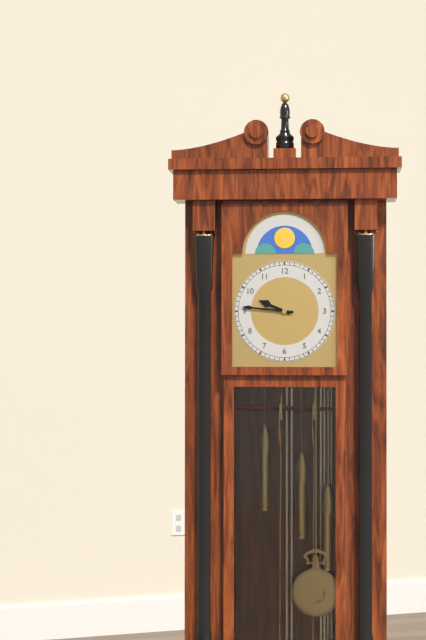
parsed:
9:46
